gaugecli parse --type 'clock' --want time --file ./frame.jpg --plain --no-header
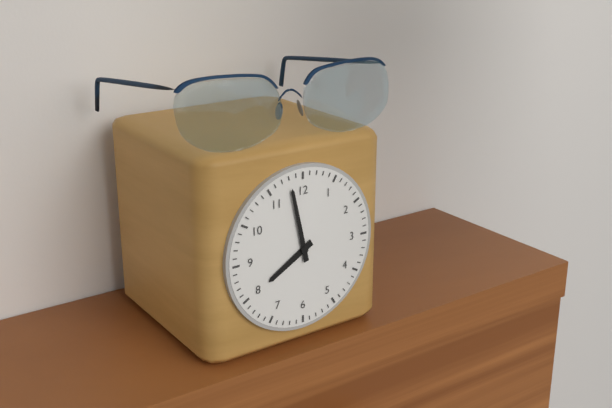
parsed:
7:58
